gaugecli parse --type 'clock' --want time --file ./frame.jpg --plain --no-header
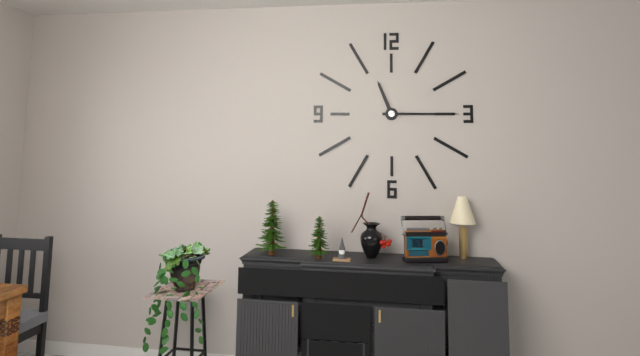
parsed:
11:15
